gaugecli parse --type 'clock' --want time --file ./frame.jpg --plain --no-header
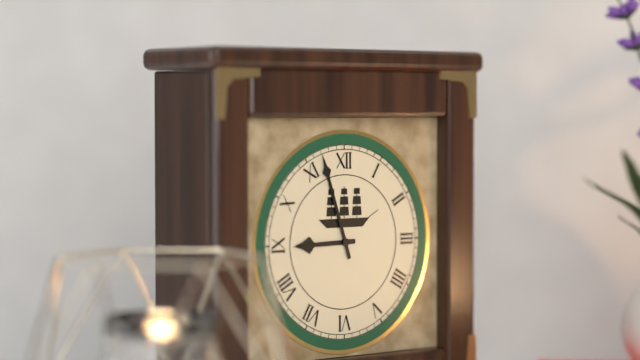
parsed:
8:57
